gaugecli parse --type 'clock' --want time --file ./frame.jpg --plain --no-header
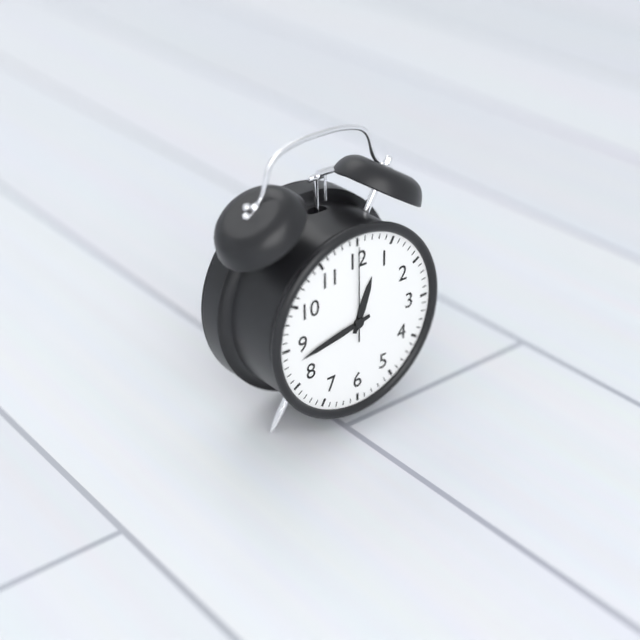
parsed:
12:43:00
